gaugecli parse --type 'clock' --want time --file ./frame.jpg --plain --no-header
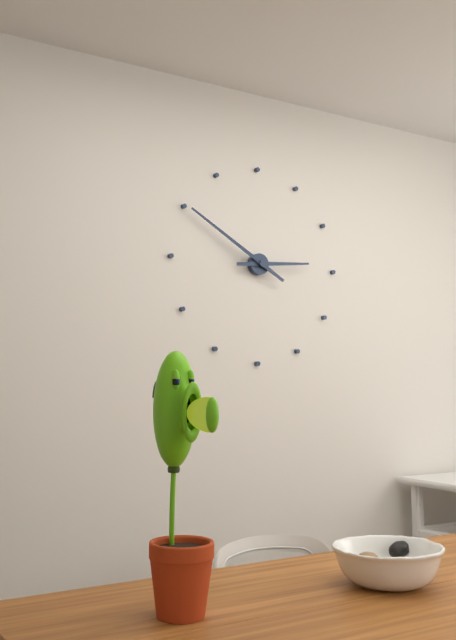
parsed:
2:50
